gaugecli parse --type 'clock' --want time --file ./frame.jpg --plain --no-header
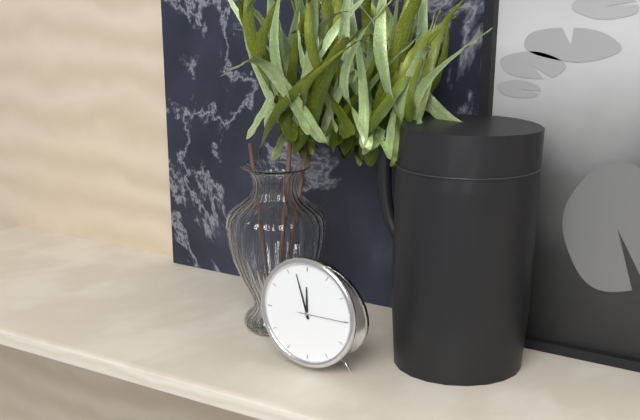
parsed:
11:57:15
